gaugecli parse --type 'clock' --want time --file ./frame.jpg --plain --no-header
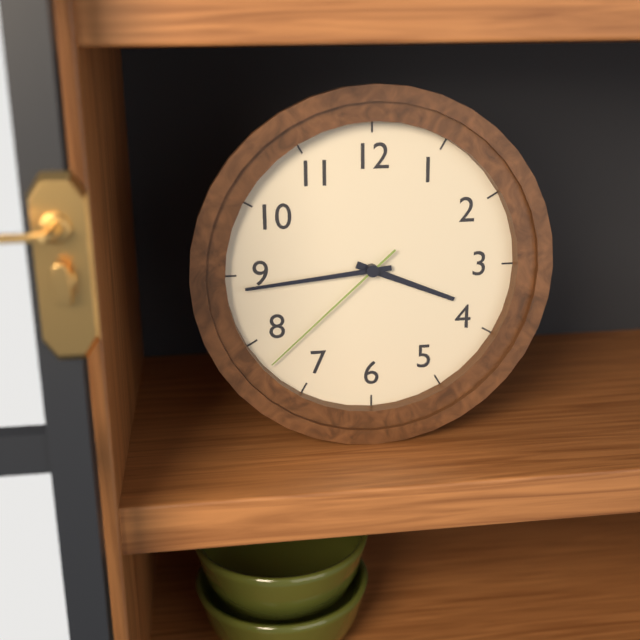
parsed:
3:44:38
